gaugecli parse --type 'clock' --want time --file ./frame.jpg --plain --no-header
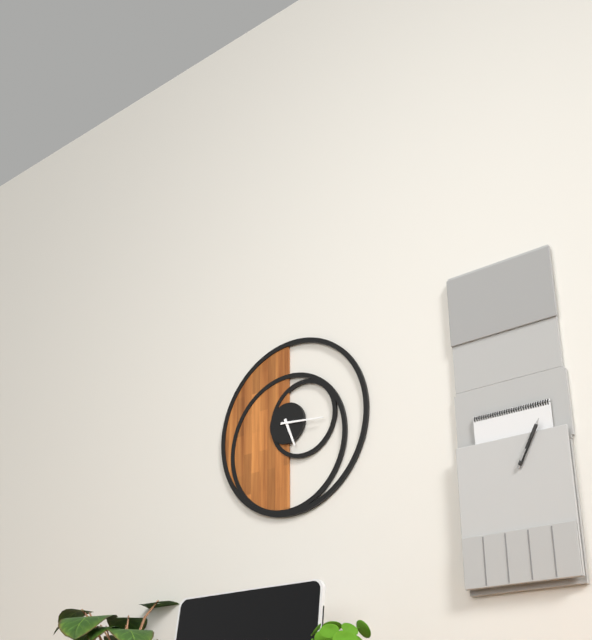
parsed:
5:16
